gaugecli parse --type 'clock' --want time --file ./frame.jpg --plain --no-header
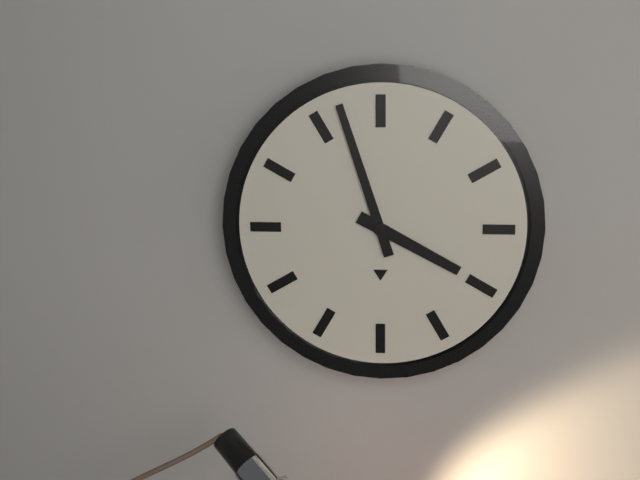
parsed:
3:57
